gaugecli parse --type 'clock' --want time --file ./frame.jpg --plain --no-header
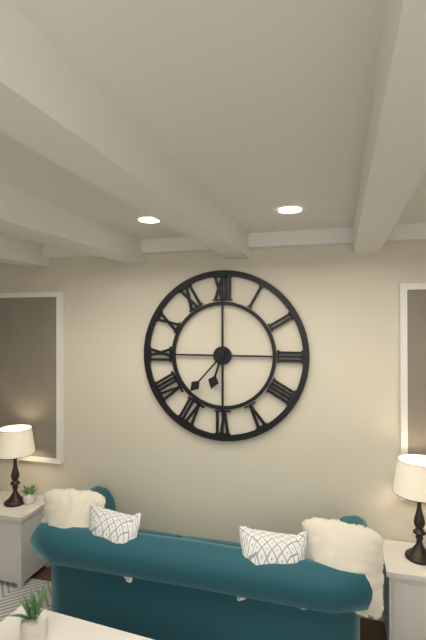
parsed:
6:37
